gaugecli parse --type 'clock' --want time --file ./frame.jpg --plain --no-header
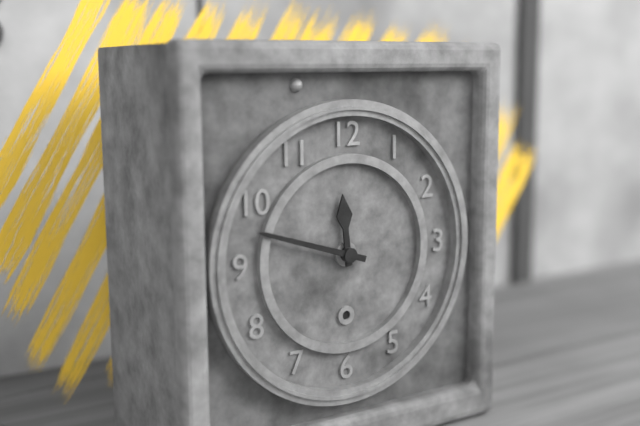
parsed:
11:48
